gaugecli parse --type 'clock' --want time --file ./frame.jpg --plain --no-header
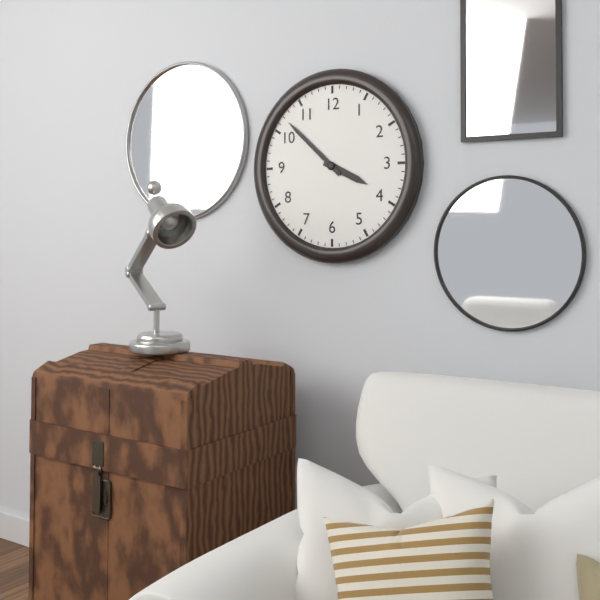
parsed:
3:52
